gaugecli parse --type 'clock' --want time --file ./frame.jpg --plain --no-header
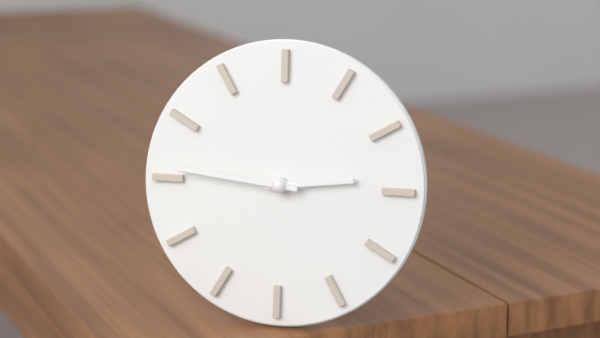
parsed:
2:46
